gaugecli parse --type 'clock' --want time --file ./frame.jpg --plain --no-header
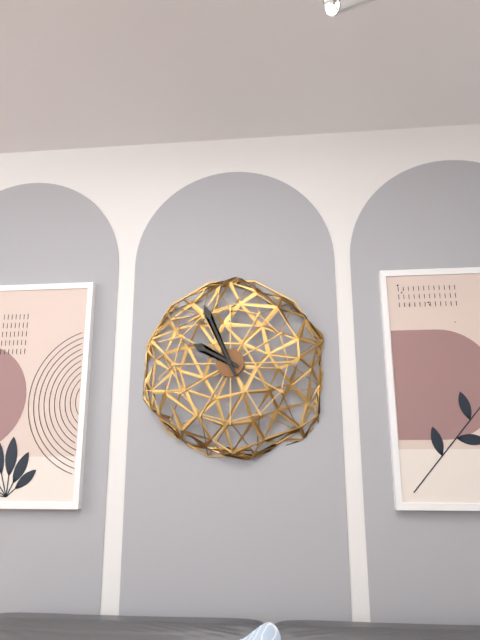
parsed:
9:56
